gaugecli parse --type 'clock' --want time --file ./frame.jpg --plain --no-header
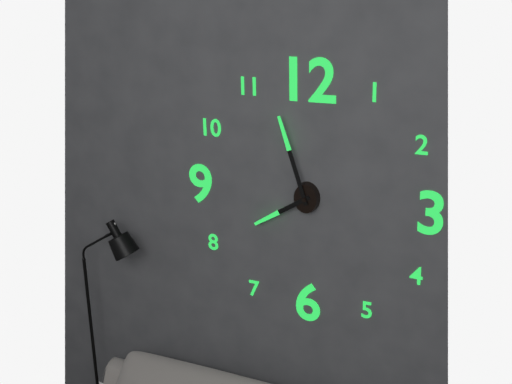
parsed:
7:57
